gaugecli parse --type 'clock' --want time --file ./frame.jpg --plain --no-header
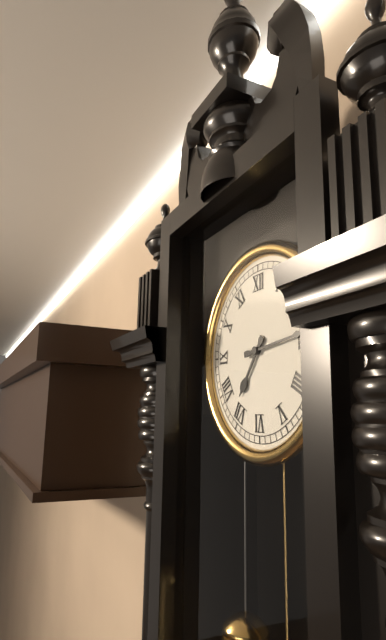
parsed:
7:14
